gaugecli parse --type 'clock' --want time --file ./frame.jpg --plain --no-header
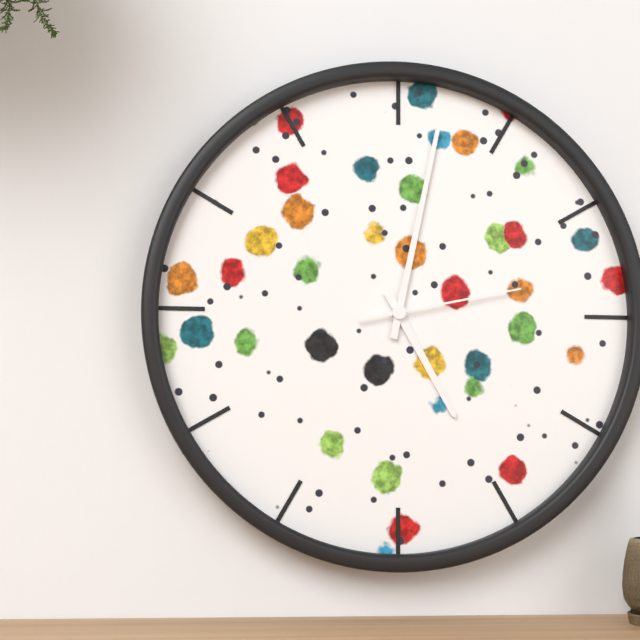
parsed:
5:02:13
